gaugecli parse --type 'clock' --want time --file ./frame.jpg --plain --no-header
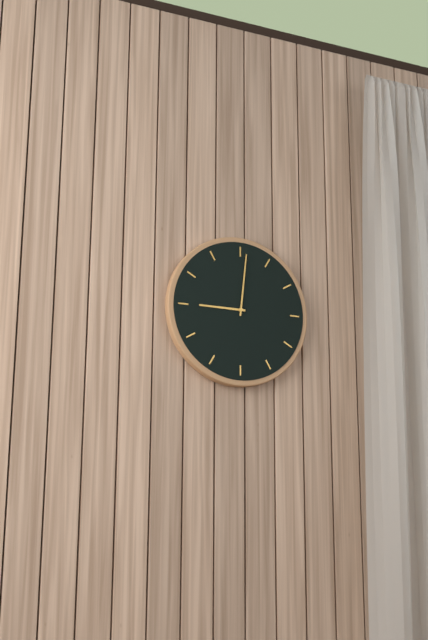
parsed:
9:01
